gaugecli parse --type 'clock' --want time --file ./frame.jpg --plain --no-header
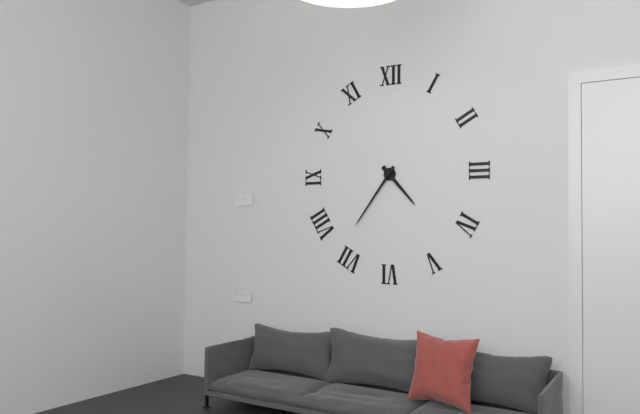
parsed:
4:36
